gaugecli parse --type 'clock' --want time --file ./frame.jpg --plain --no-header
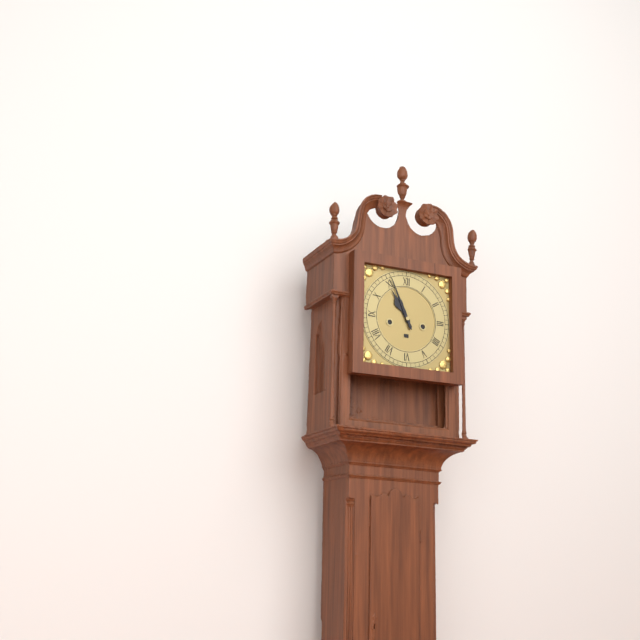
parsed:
10:56
